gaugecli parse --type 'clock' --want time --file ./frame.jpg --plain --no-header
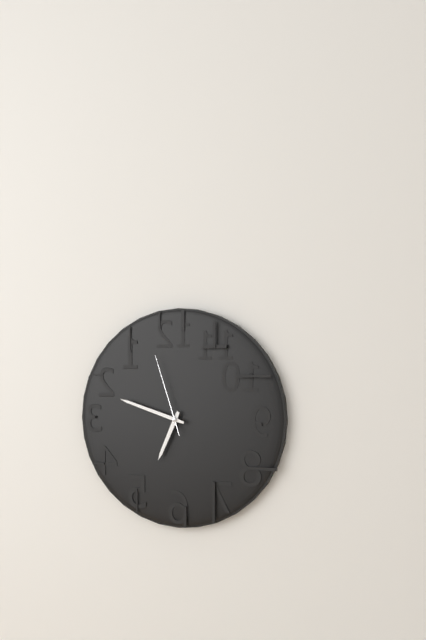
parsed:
6:48:57
